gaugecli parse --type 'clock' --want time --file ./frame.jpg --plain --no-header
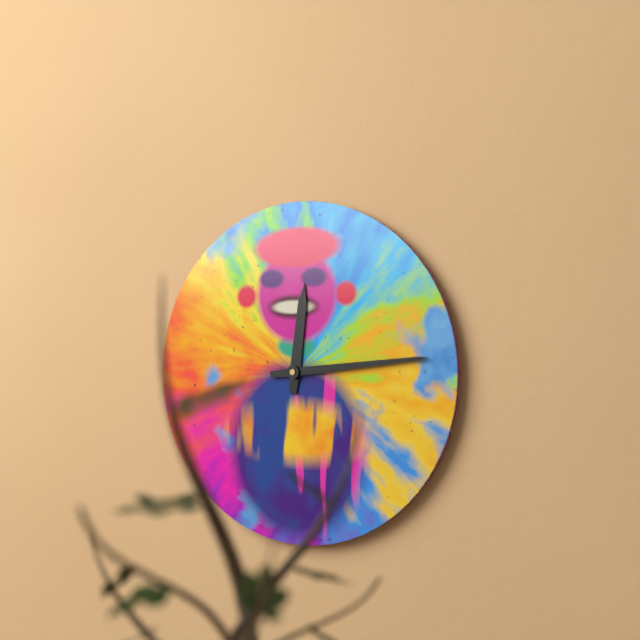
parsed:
12:14
